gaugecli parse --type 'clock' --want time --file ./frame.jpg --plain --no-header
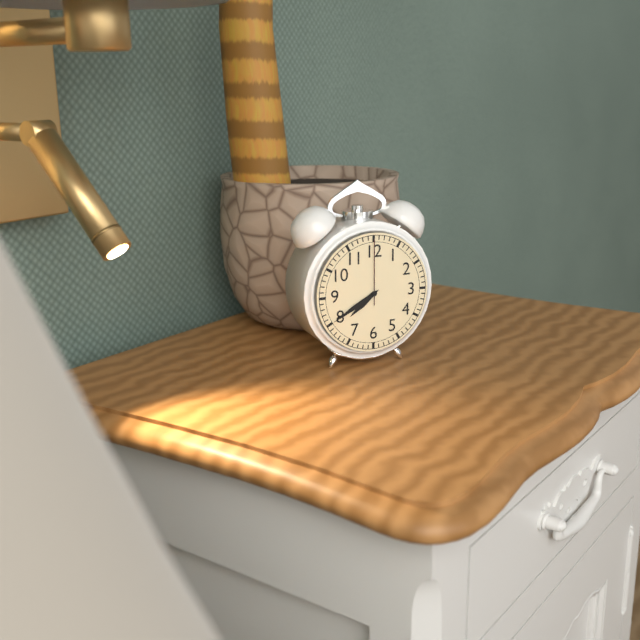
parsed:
7:40:00
